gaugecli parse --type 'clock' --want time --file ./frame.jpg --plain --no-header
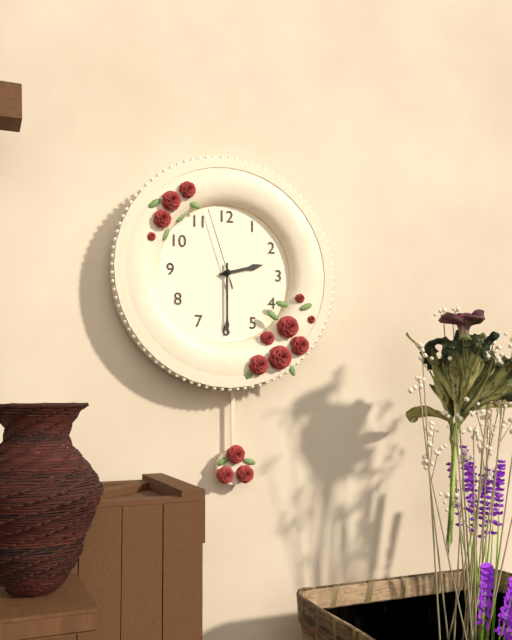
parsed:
2:30:57
